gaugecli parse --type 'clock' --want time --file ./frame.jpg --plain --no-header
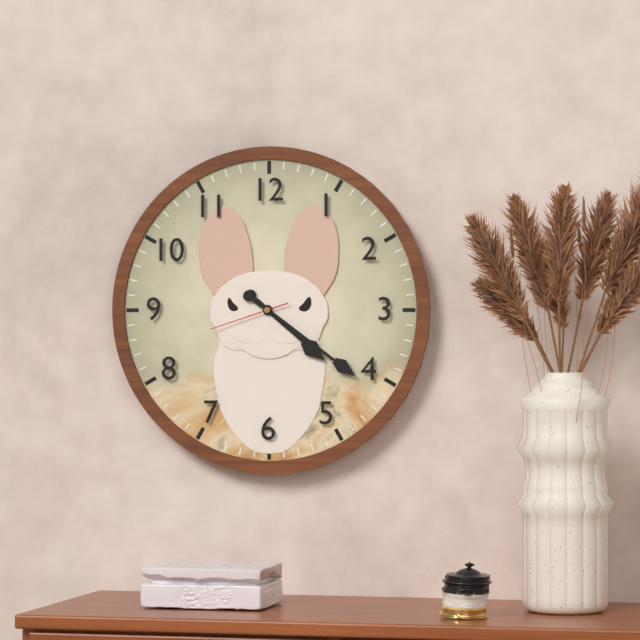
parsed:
4:21:42
